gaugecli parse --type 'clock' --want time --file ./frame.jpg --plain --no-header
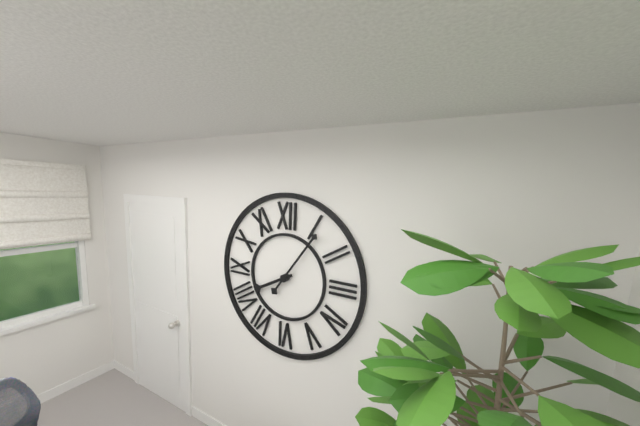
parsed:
8:06
